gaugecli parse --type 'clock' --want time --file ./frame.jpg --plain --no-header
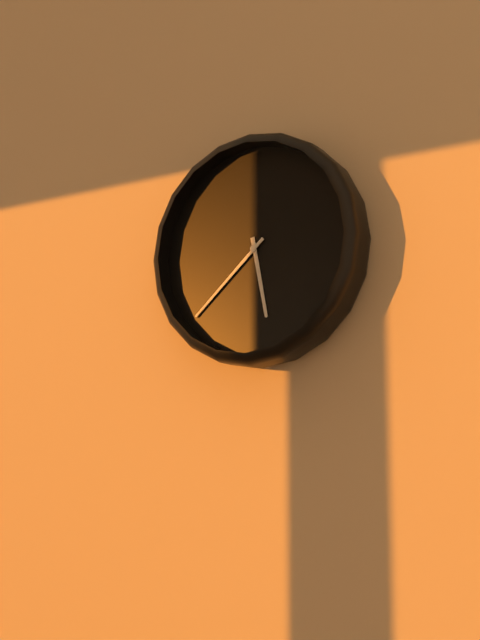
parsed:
5:38
